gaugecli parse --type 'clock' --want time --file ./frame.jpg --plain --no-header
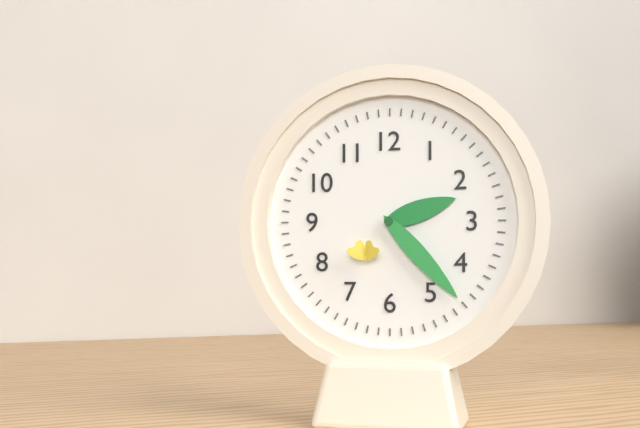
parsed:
2:23
